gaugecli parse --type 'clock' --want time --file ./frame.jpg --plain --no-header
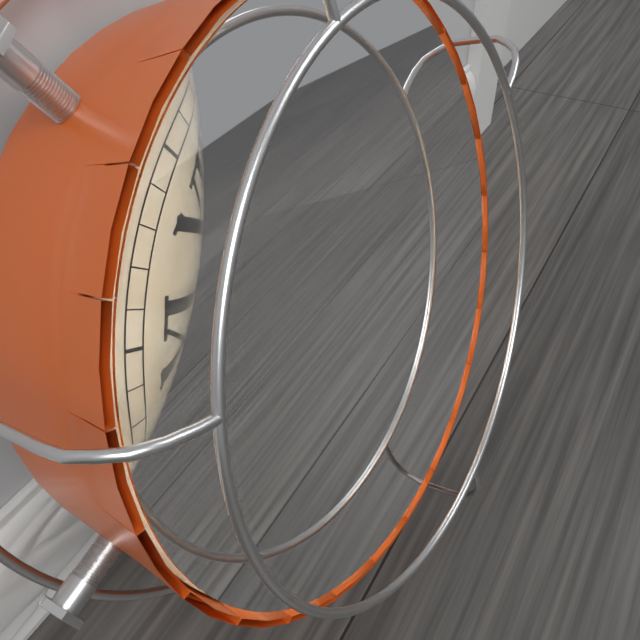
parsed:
2:46
